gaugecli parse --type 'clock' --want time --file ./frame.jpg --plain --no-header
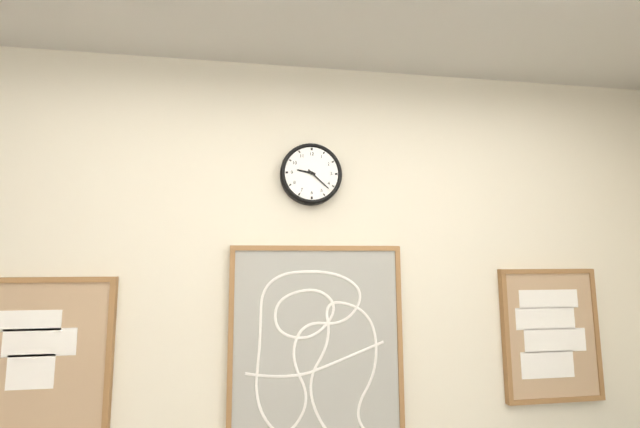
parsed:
9:22
